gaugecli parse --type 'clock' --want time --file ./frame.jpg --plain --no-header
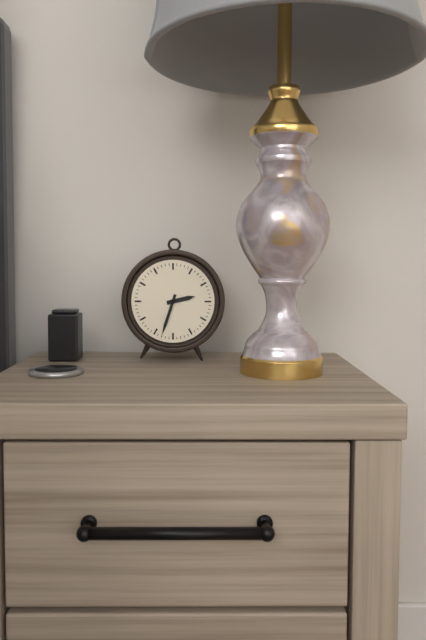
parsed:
2:33
